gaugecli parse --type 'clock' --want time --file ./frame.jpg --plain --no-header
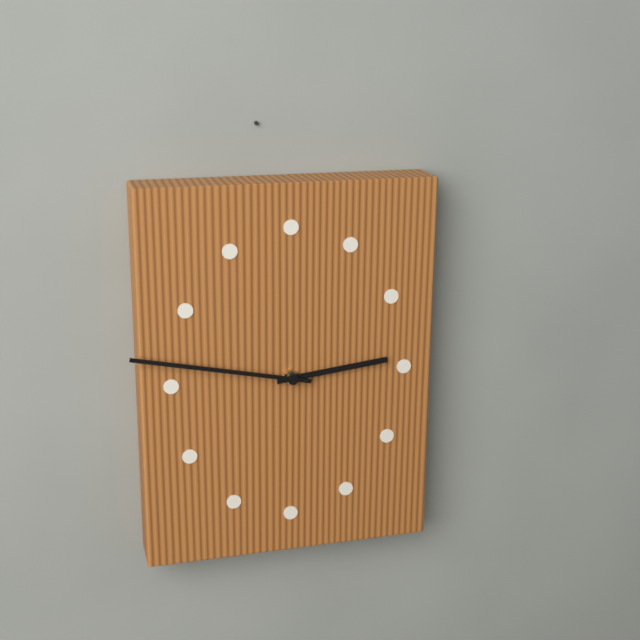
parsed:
2:47
